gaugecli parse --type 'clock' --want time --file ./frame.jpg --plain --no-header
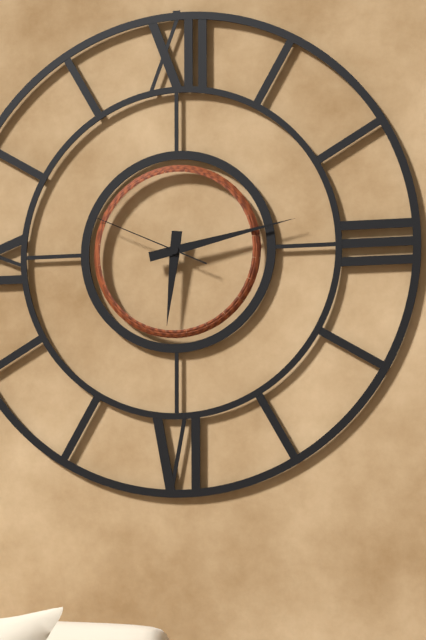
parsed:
6:13:49
